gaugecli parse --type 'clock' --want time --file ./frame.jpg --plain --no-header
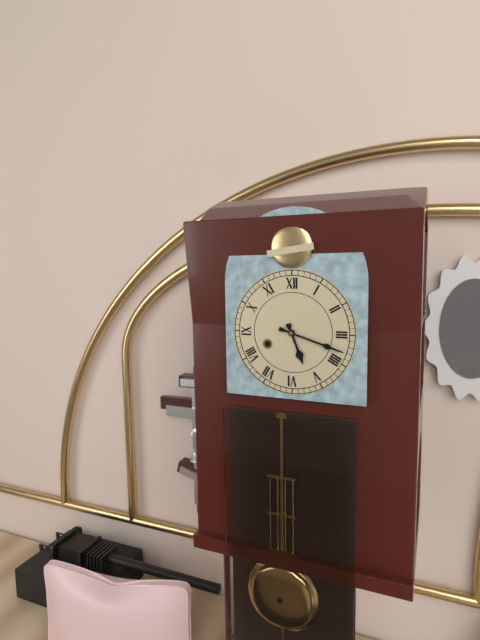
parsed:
5:18
